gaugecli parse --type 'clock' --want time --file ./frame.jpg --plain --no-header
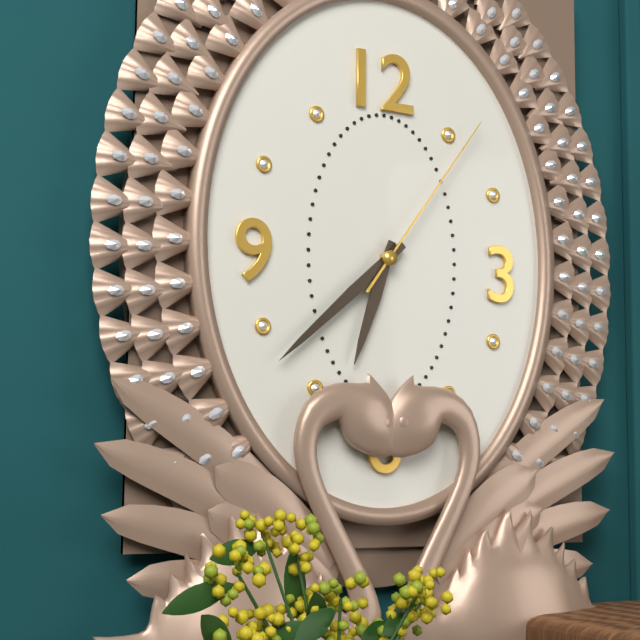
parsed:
6:38:06
